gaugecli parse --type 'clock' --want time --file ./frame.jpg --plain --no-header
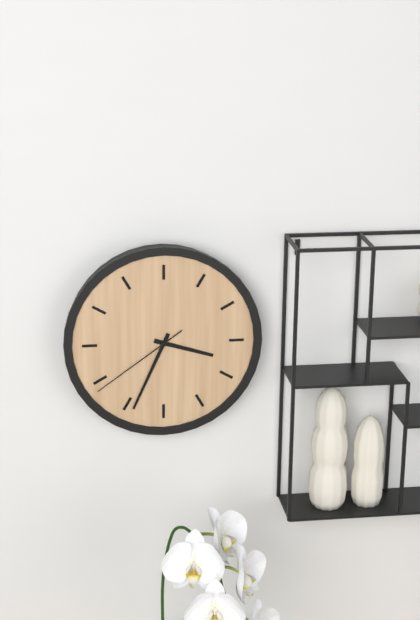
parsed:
3:34:39
